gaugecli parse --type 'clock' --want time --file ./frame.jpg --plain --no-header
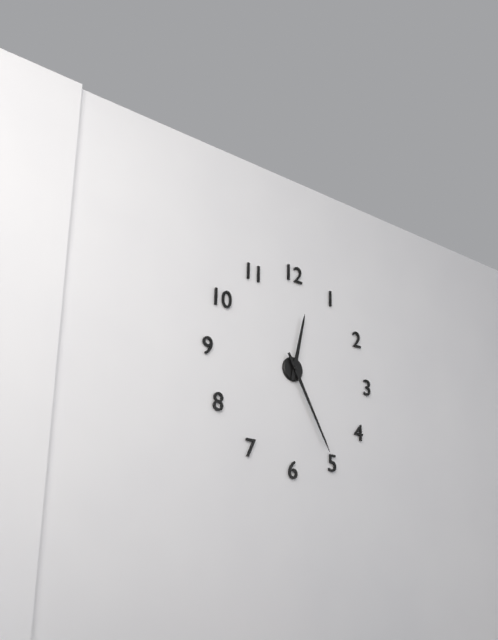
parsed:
12:25
